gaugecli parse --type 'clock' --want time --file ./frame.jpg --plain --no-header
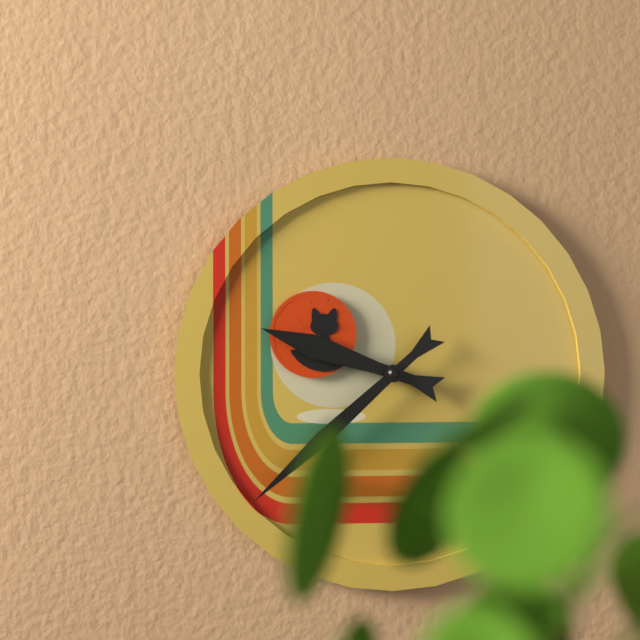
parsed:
9:38
